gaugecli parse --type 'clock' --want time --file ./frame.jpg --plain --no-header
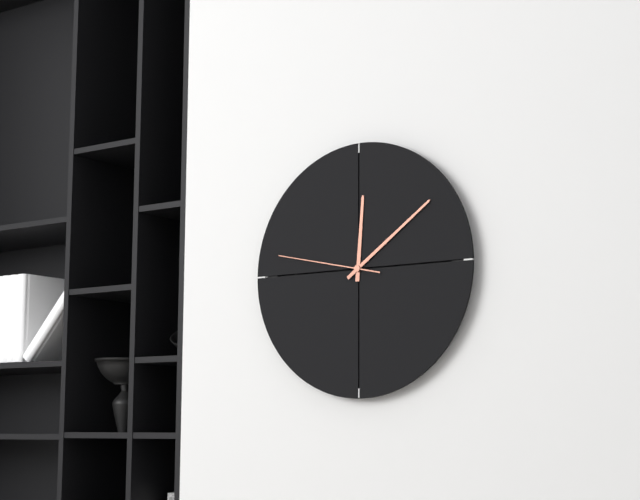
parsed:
12:09:47
